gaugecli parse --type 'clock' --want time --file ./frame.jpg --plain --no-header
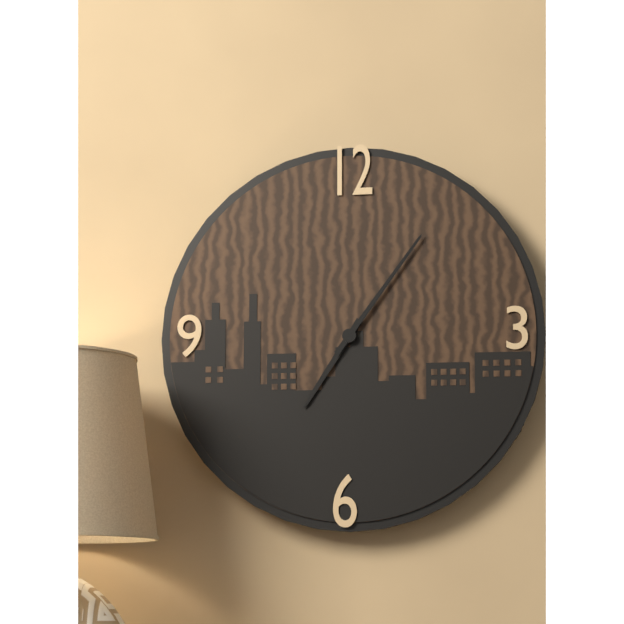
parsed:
7:06
